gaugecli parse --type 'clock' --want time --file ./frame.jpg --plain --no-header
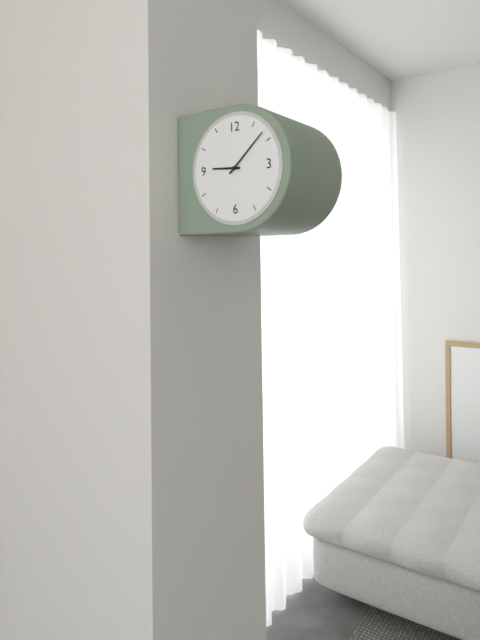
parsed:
9:08
